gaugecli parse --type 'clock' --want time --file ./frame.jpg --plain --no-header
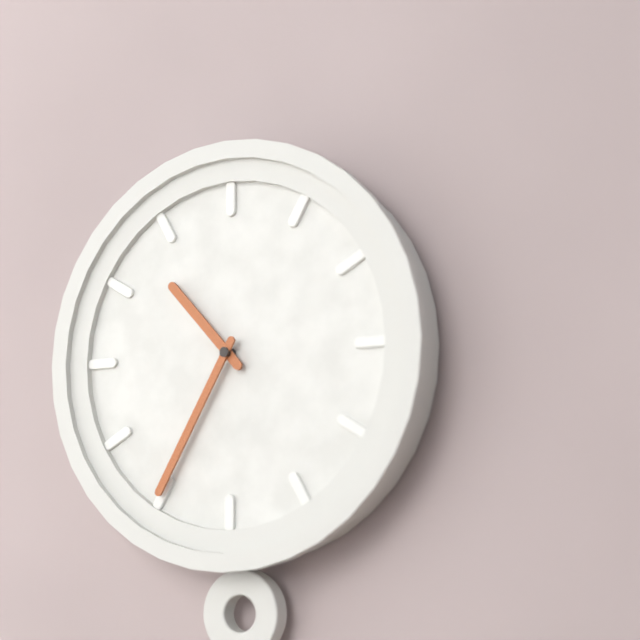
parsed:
10:35
